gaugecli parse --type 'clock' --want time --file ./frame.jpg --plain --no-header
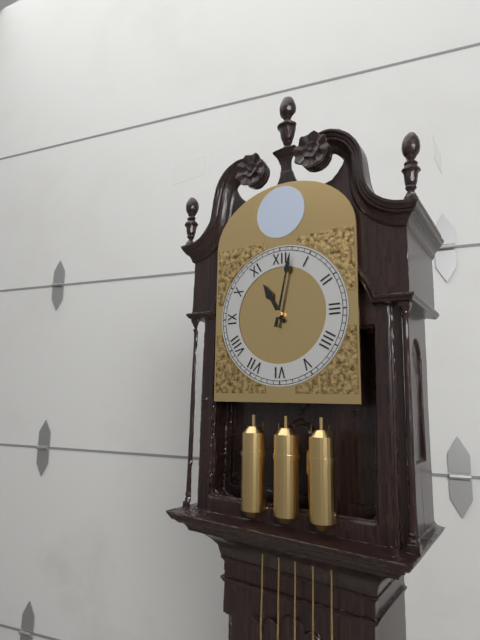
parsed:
11:02
